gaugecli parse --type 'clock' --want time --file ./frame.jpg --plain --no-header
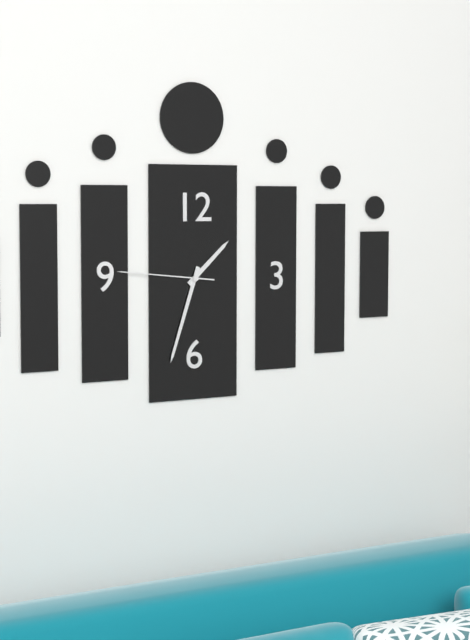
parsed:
1:33:46
